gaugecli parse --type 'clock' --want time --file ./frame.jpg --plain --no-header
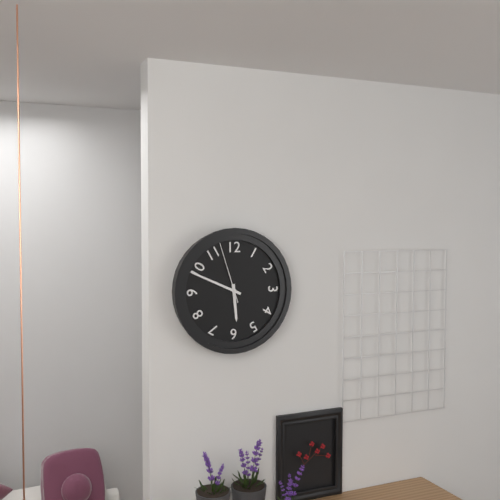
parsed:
5:49:57
